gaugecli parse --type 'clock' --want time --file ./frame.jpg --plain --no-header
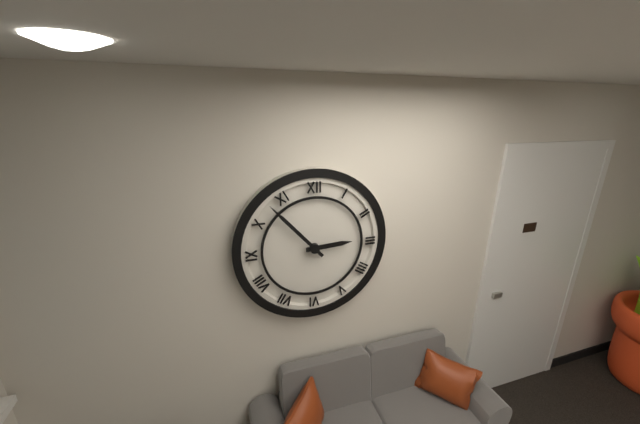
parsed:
2:53
